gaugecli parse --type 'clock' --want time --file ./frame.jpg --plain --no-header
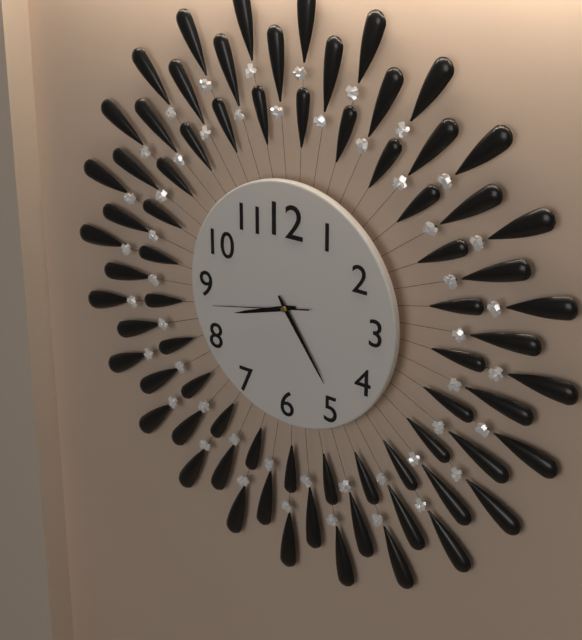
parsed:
8:24:43
